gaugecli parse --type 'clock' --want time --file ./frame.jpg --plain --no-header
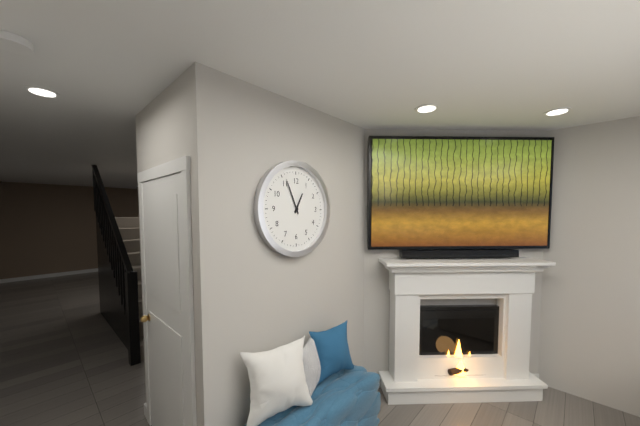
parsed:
12:56
